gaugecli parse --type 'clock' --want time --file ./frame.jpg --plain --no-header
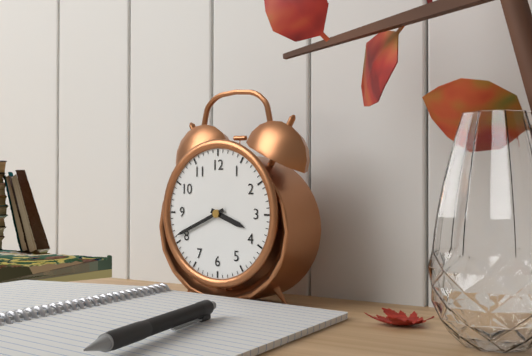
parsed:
3:41
